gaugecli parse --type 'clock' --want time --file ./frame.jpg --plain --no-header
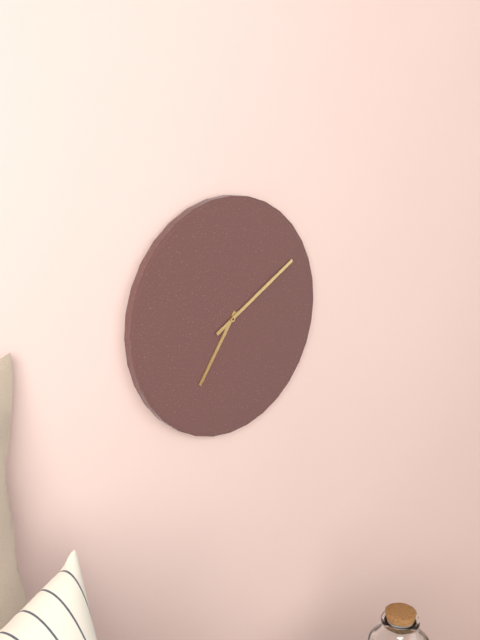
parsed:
7:10
